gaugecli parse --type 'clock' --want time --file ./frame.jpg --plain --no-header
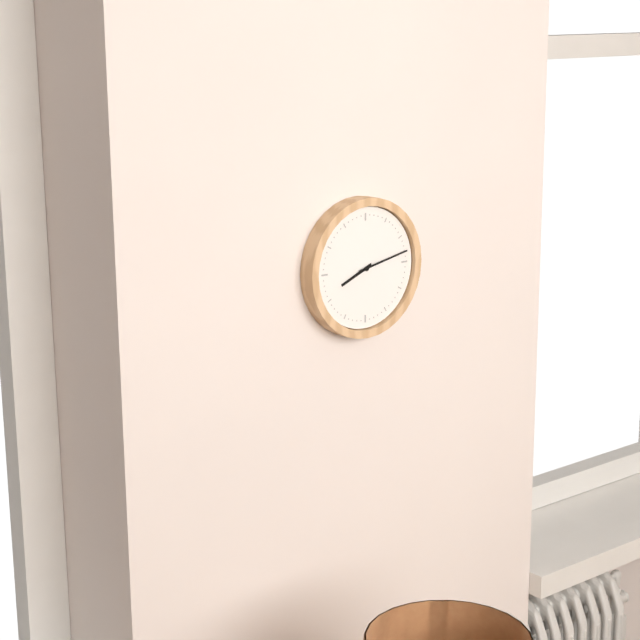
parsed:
8:13
